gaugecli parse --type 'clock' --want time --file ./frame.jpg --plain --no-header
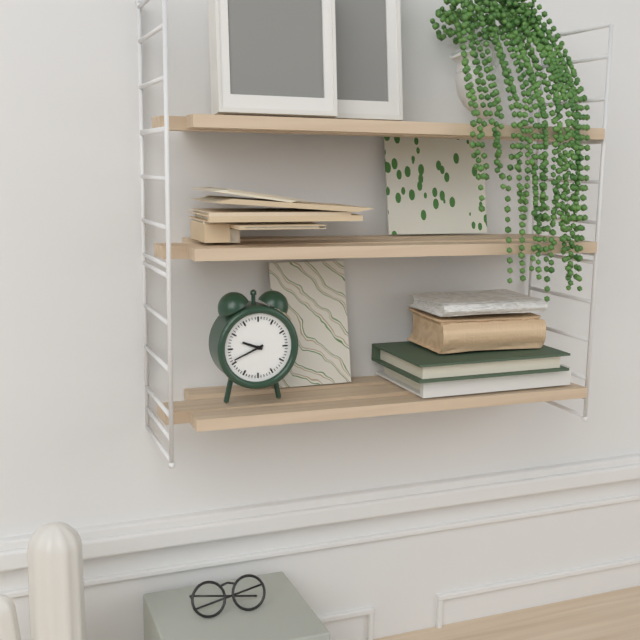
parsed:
9:41
